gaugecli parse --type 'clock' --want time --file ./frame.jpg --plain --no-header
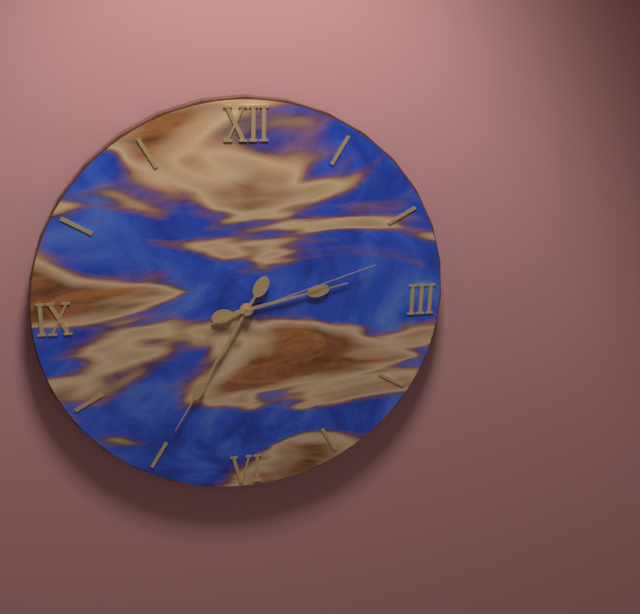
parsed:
2:35:12
